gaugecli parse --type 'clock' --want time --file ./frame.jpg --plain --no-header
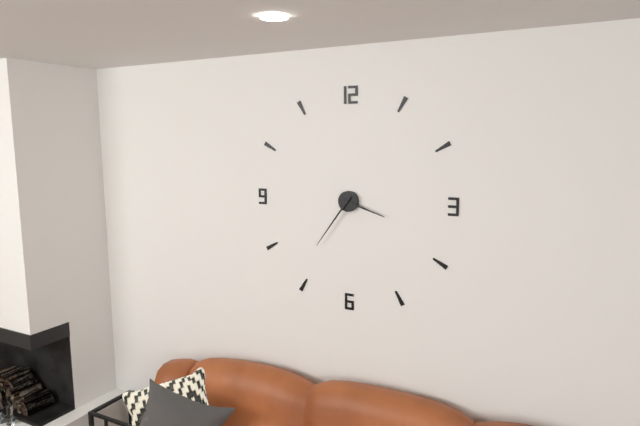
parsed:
3:36
